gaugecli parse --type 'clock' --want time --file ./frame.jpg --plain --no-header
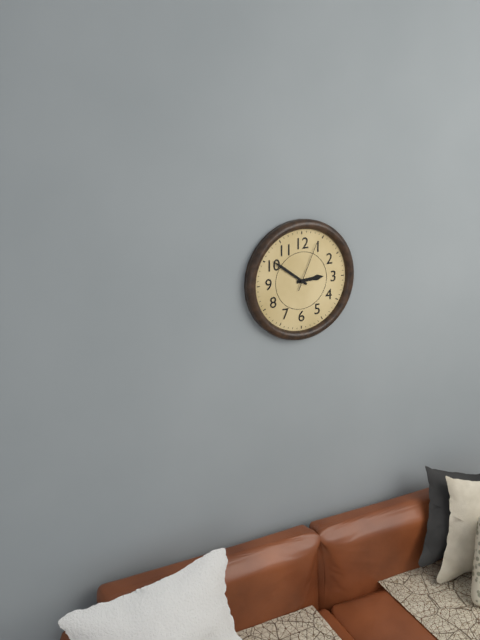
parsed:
2:51:04
